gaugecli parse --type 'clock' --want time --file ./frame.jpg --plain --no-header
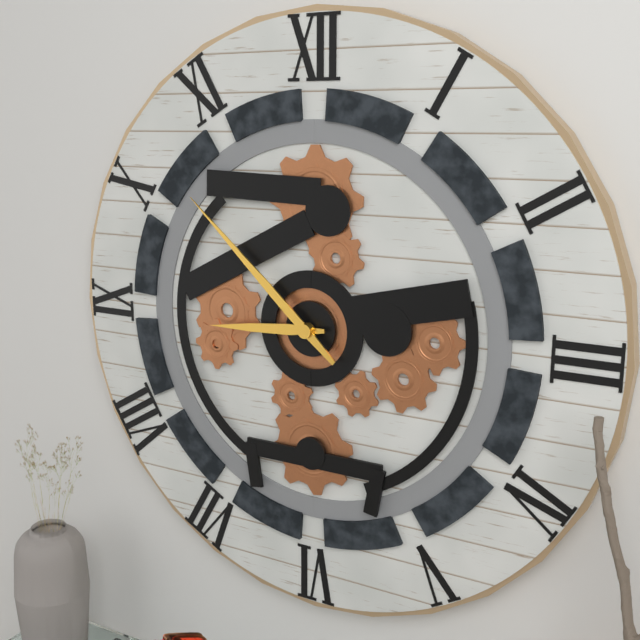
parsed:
8:52
